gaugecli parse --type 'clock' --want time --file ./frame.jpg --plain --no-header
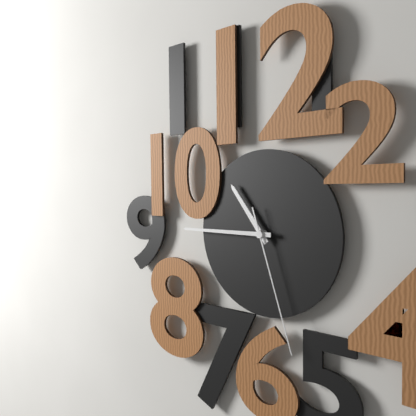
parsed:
10:45:27
